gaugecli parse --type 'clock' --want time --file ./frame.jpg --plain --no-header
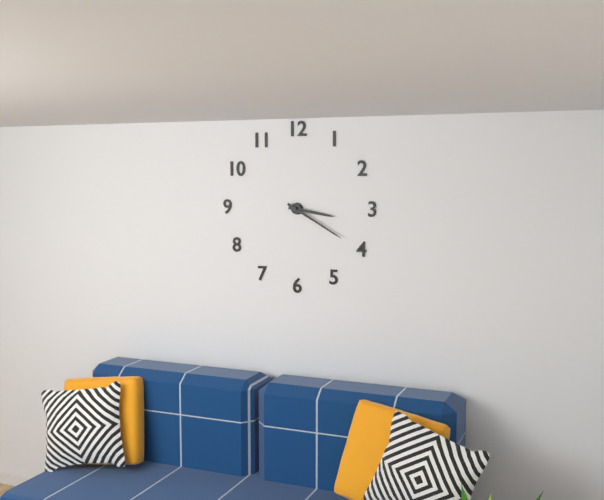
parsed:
3:20
